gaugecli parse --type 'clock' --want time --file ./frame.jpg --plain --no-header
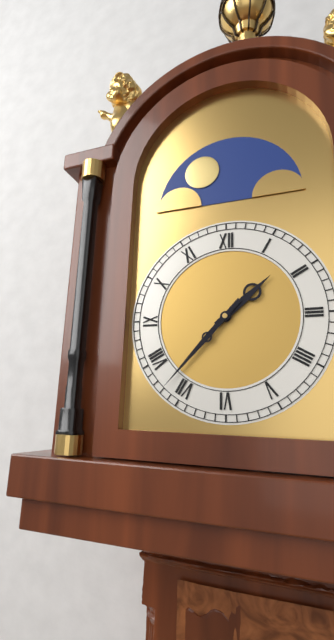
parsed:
1:37
